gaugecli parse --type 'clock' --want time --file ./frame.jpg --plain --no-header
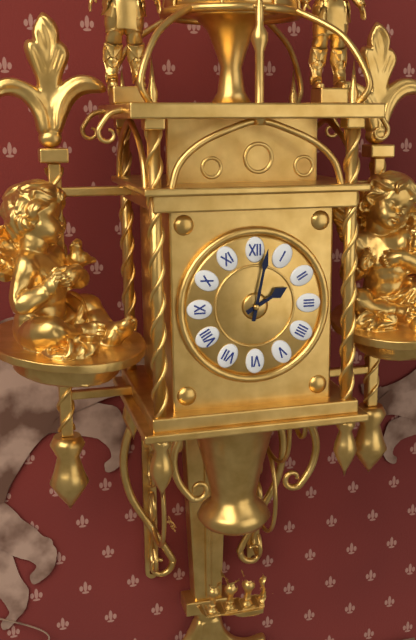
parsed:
2:02
